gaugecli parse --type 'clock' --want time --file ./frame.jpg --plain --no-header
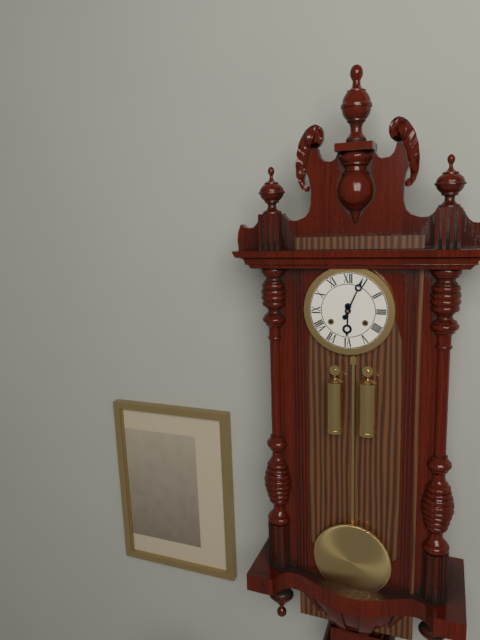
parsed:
6:04
